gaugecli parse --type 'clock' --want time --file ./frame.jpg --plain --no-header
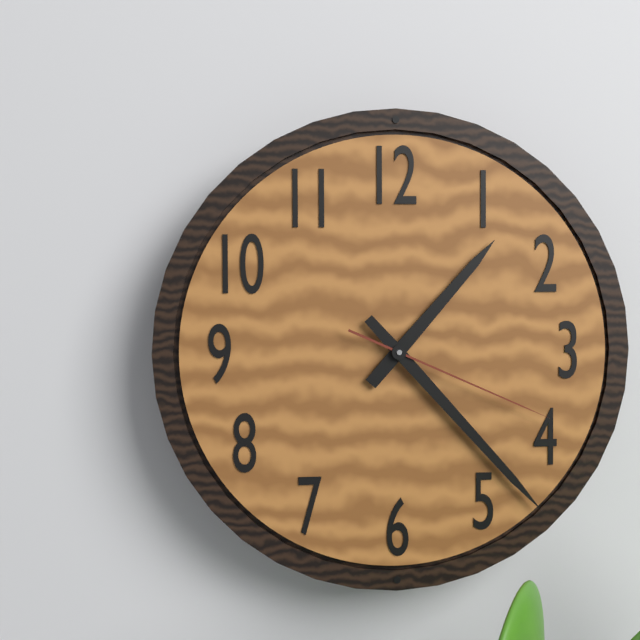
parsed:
1:23:19
